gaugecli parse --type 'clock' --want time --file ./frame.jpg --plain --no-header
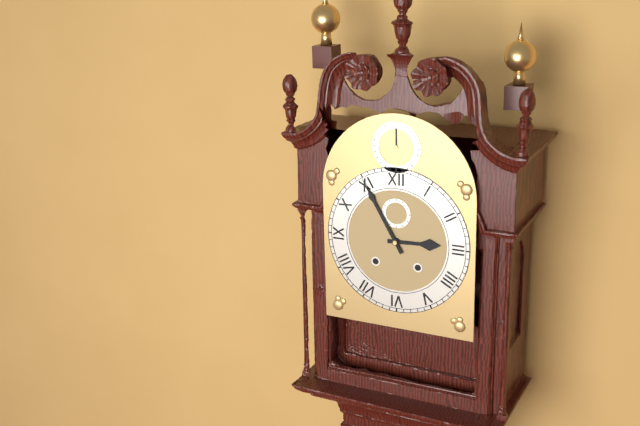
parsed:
2:55
